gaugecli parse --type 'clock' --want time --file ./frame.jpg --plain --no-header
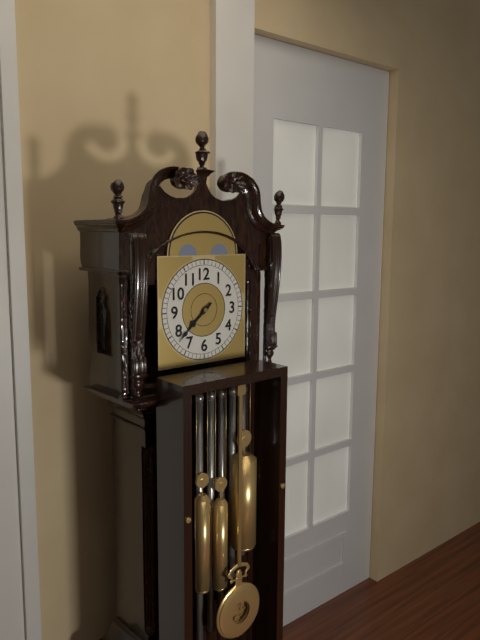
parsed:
7:38
